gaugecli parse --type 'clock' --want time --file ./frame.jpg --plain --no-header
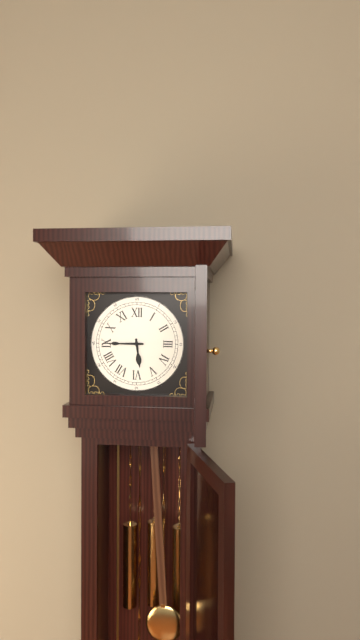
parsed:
5:45
